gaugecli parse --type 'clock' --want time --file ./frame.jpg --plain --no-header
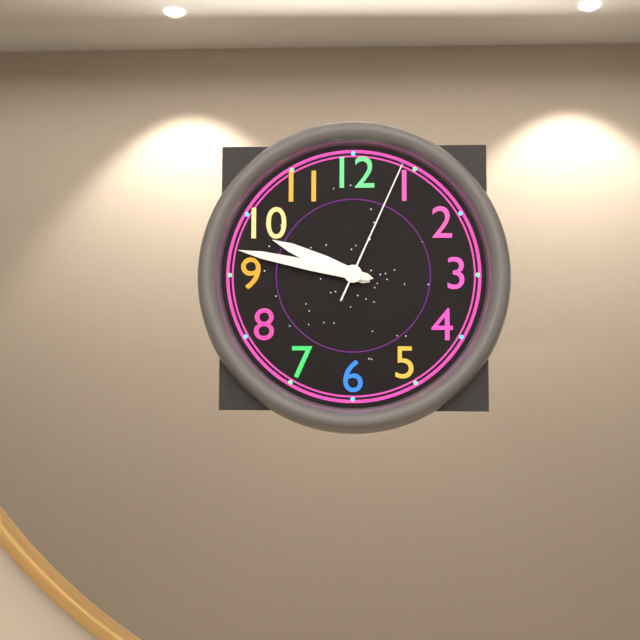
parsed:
9:47:04
